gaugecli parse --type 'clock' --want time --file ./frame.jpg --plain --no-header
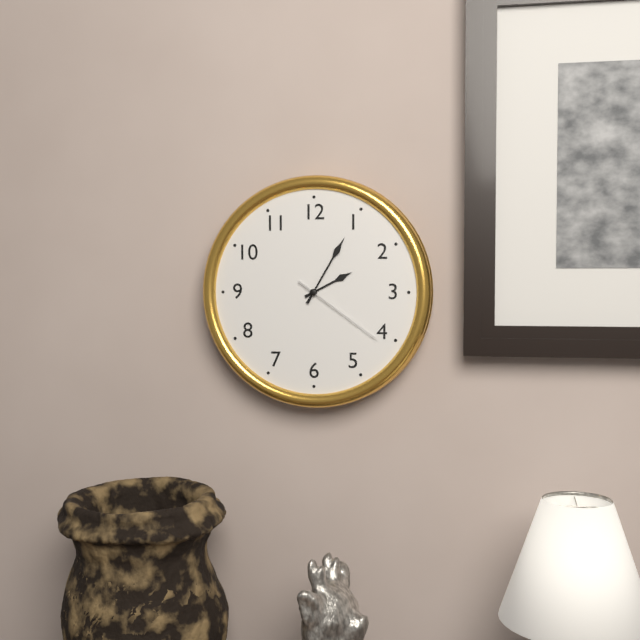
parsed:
2:05:21
